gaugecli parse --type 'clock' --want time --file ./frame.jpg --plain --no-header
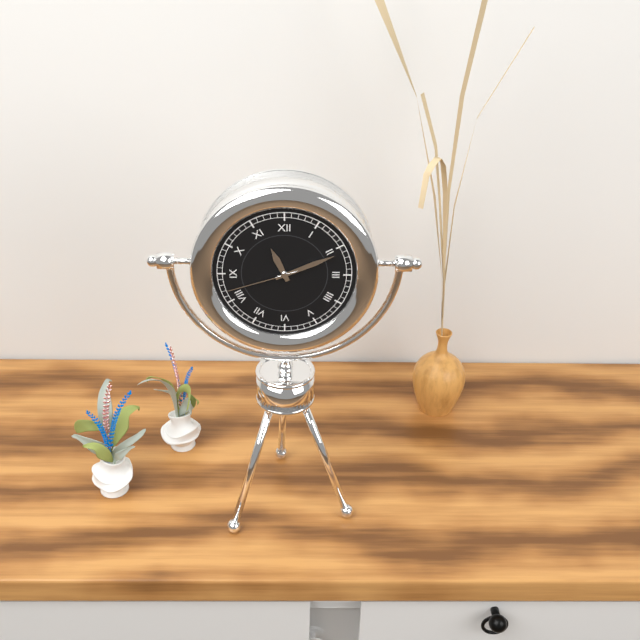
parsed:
11:11:42
